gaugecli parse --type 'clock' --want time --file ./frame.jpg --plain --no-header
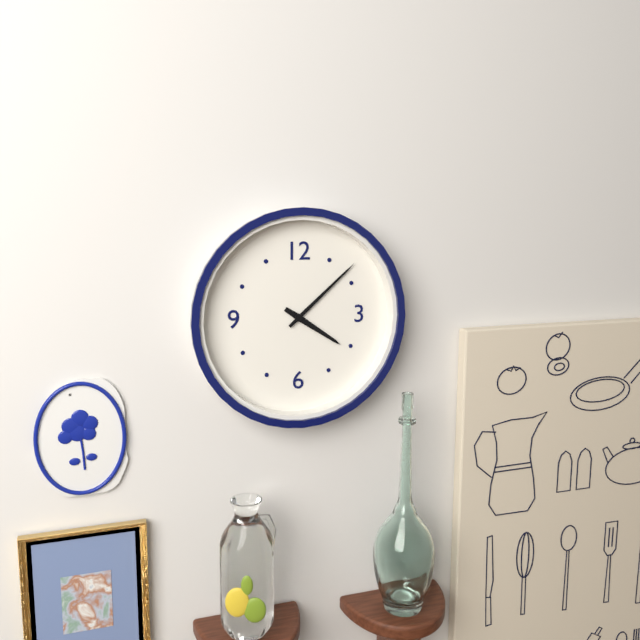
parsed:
4:08
